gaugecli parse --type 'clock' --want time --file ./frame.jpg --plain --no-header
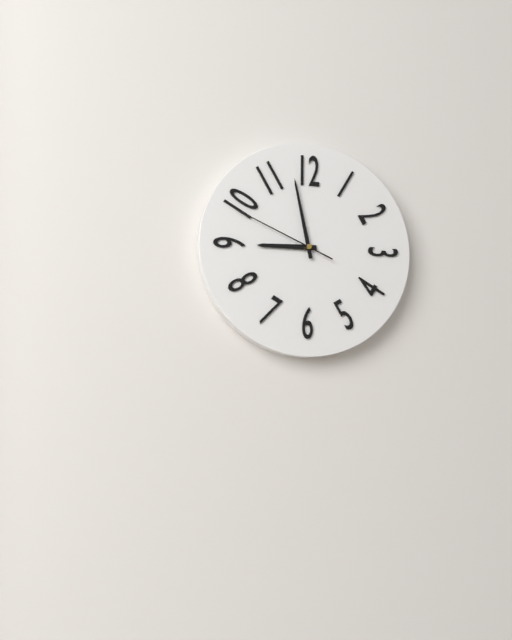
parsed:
8:58:49
